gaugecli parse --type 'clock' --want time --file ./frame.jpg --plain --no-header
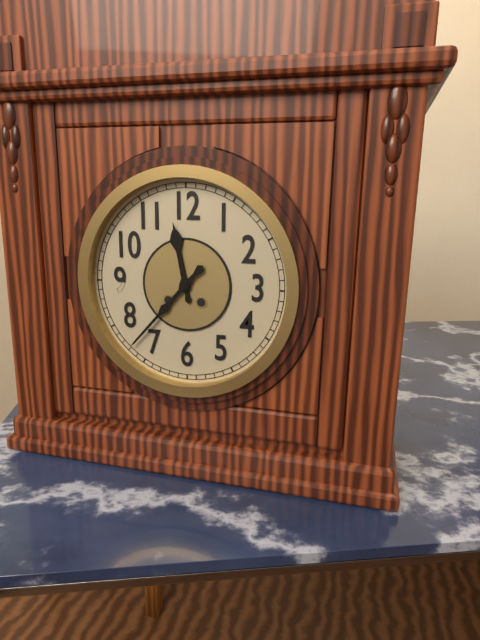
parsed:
11:37
